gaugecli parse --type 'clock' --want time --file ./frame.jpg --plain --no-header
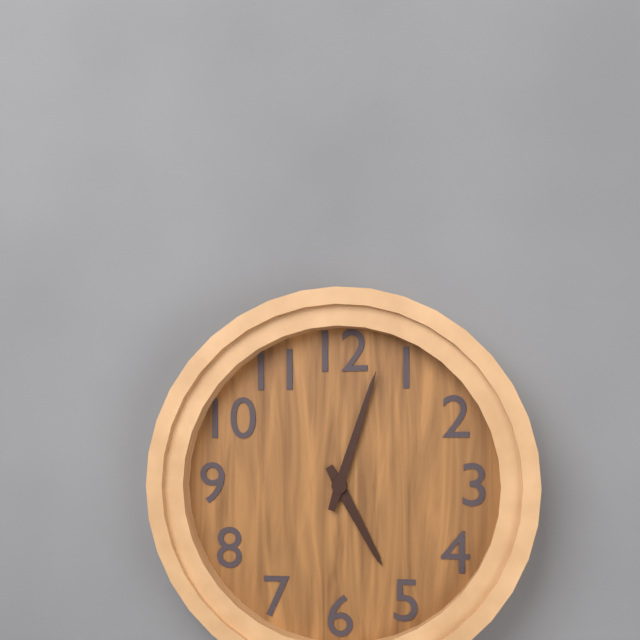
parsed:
5:03
